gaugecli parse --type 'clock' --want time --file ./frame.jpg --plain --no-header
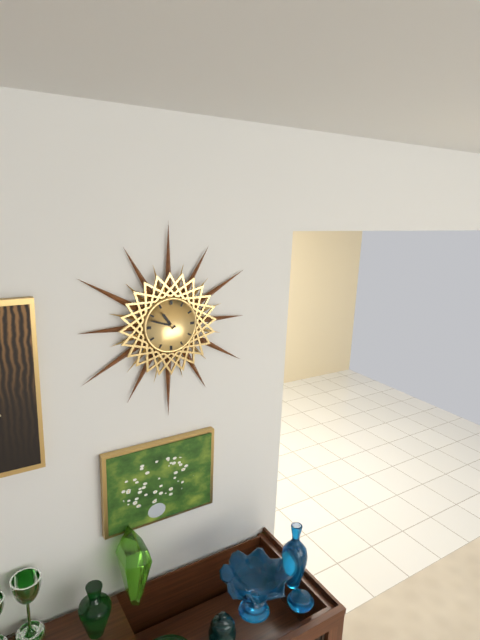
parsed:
10:48
